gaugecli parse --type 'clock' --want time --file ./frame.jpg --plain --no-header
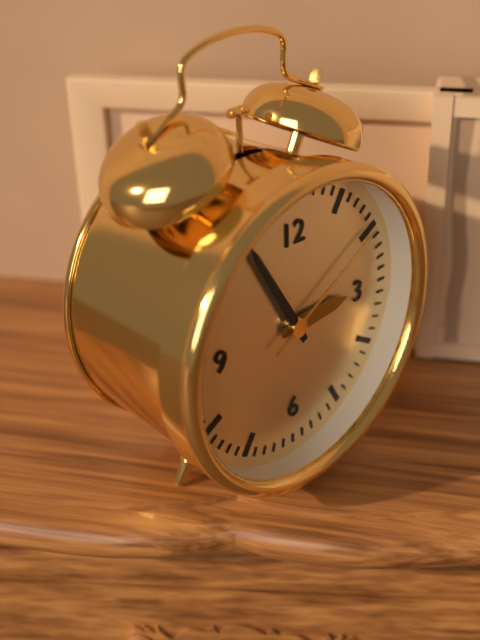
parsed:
2:55:10
